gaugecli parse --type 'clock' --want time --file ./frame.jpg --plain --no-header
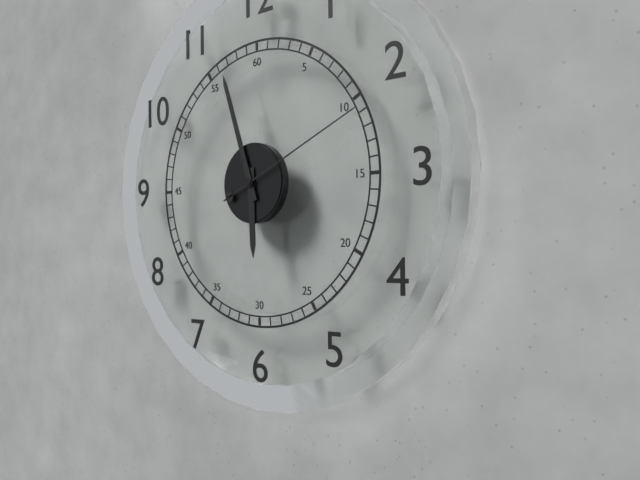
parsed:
5:57:11
